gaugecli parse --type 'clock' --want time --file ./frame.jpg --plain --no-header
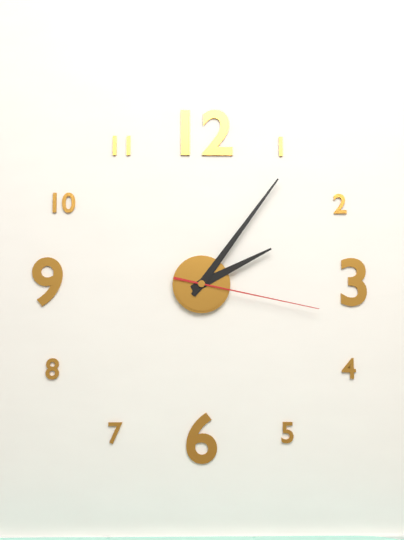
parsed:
2:06:17
